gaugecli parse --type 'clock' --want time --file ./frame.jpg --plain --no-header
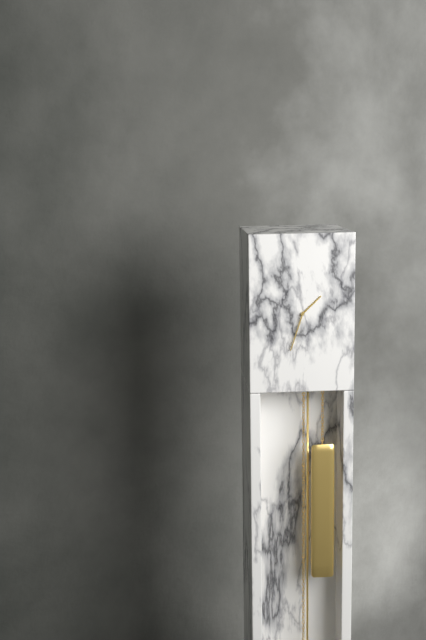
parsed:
1:33
